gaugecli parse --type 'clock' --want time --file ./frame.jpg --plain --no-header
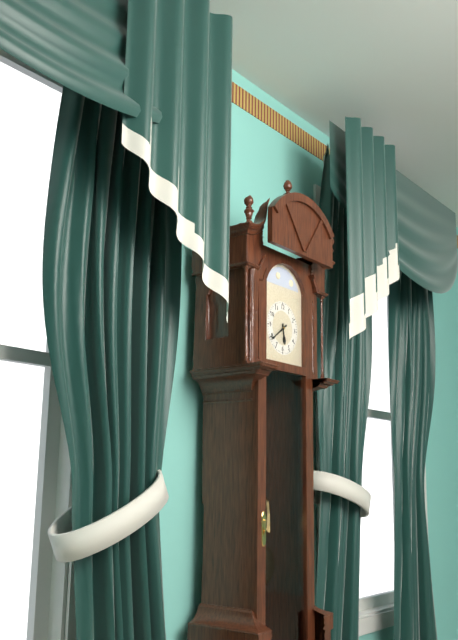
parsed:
5:39
